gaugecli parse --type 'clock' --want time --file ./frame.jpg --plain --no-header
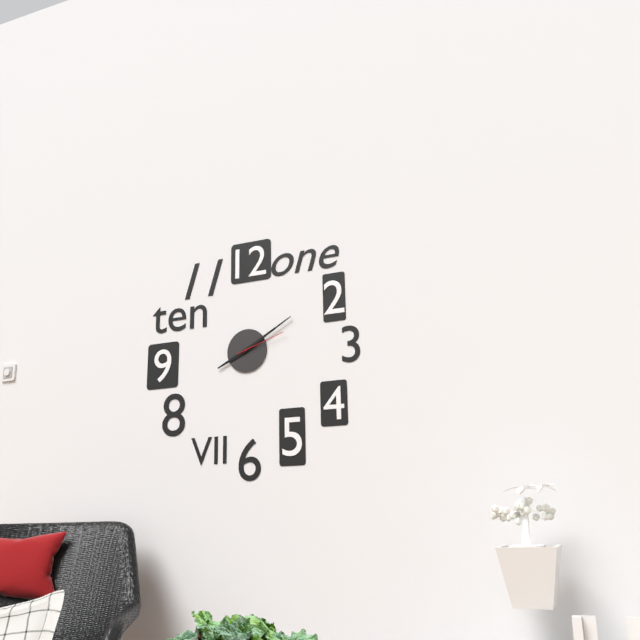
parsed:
8:10:12
